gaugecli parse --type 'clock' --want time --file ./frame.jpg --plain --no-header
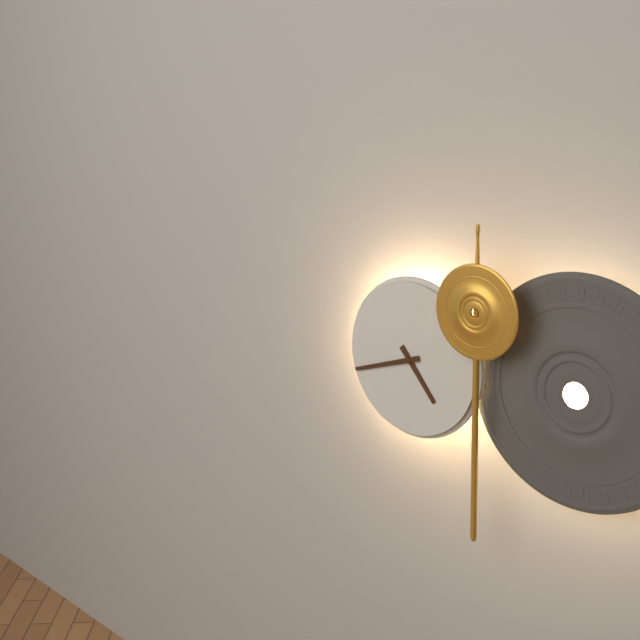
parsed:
4:42
